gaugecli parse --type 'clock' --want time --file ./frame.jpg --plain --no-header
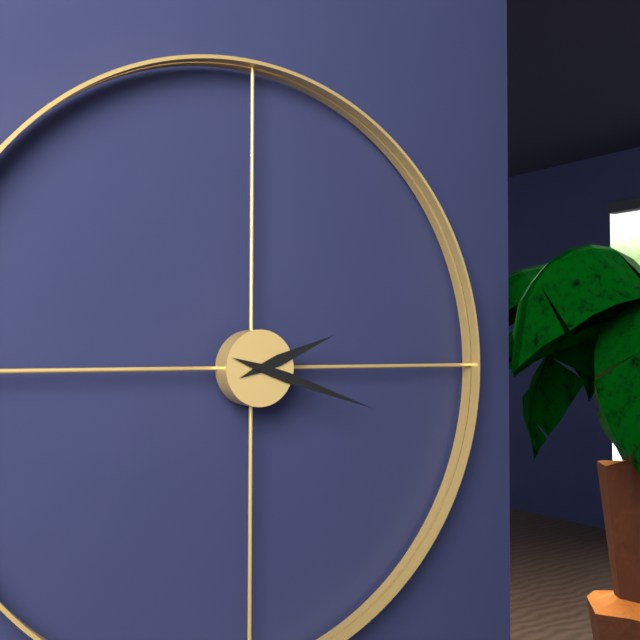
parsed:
2:18
